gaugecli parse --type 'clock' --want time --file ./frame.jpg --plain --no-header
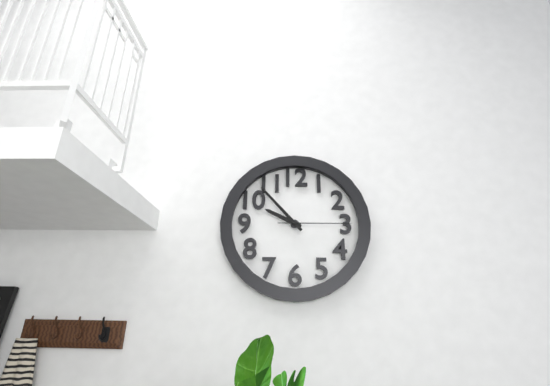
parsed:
9:53:15
